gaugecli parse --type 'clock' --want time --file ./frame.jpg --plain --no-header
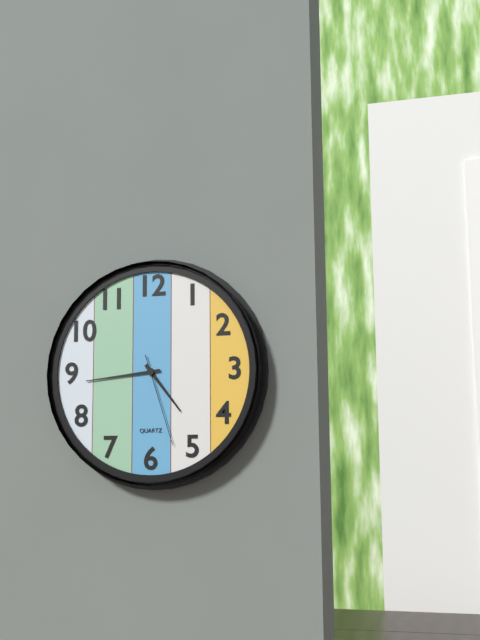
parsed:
4:44:27
